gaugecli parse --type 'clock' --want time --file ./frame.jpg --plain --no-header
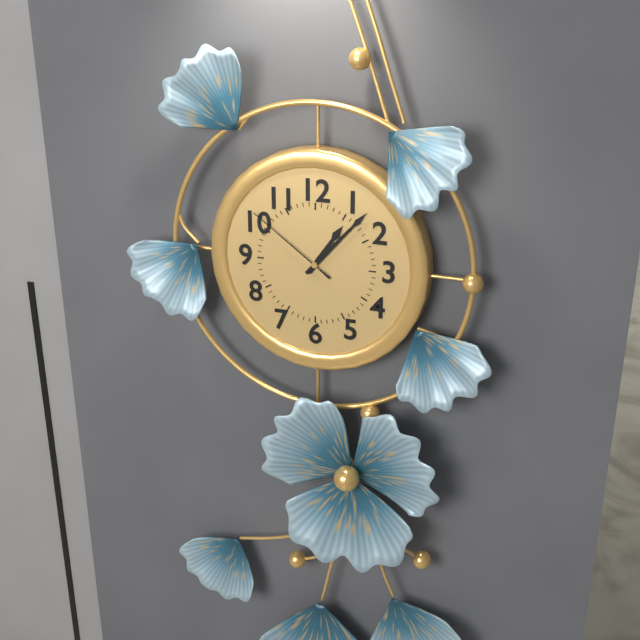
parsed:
1:07:51
